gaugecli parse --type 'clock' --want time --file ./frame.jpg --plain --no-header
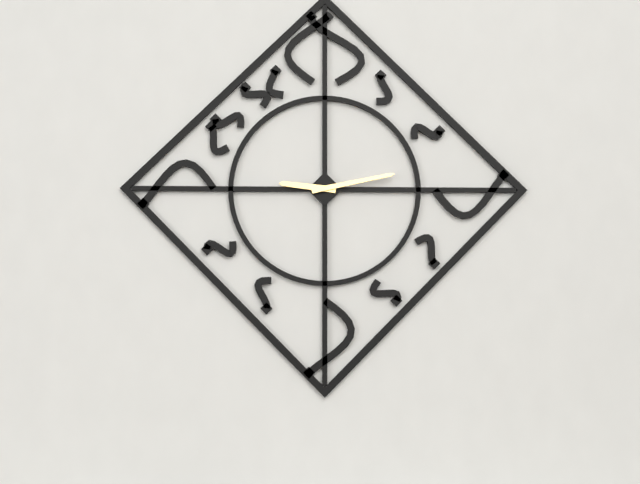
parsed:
9:13
